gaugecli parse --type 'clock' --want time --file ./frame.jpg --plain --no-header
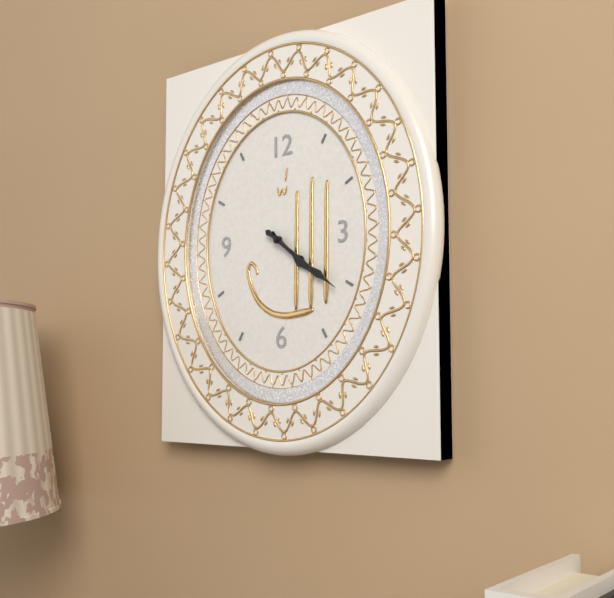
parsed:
4:21
